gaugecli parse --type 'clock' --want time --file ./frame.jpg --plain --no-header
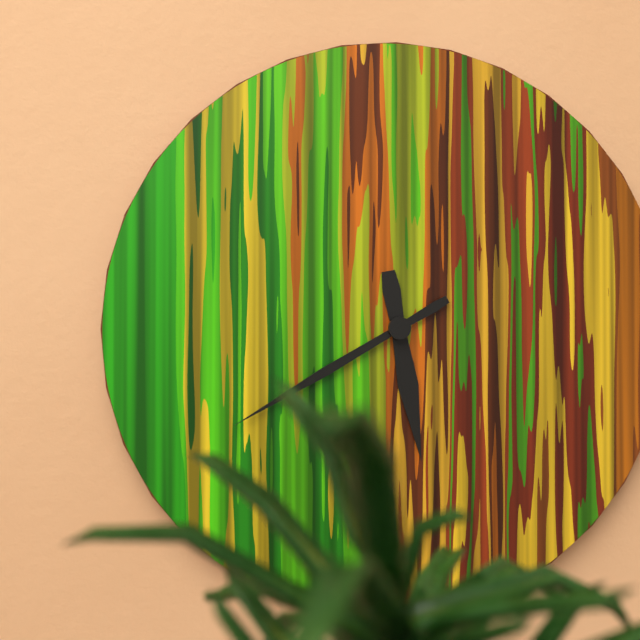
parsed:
5:40
